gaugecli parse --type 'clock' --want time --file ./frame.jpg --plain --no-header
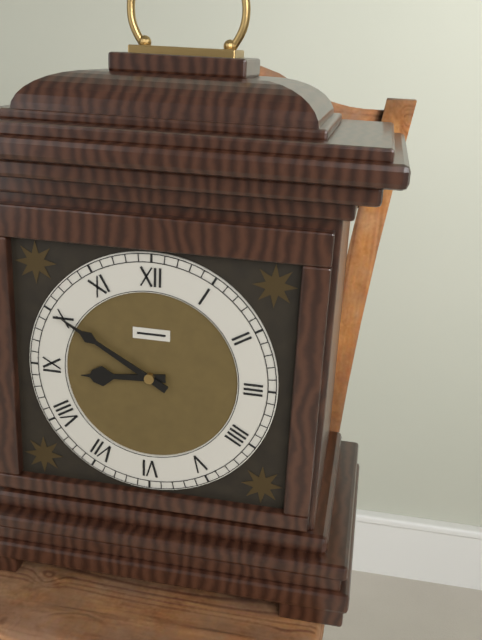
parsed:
8:50
